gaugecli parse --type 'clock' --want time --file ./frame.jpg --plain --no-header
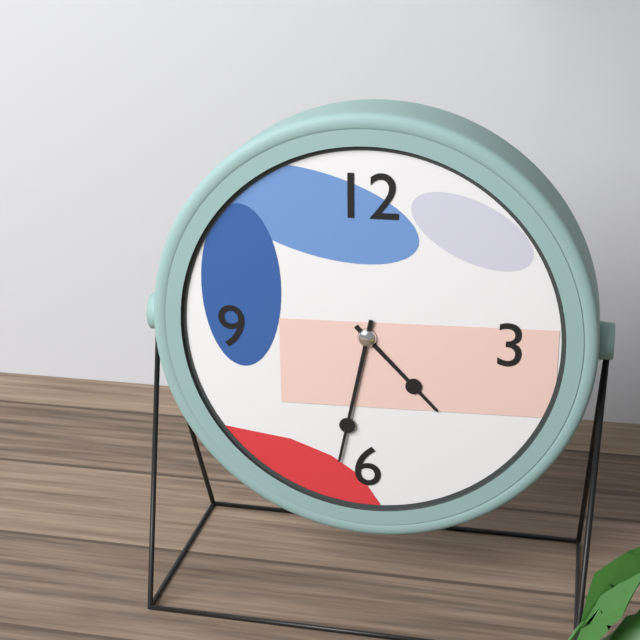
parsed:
4:32
